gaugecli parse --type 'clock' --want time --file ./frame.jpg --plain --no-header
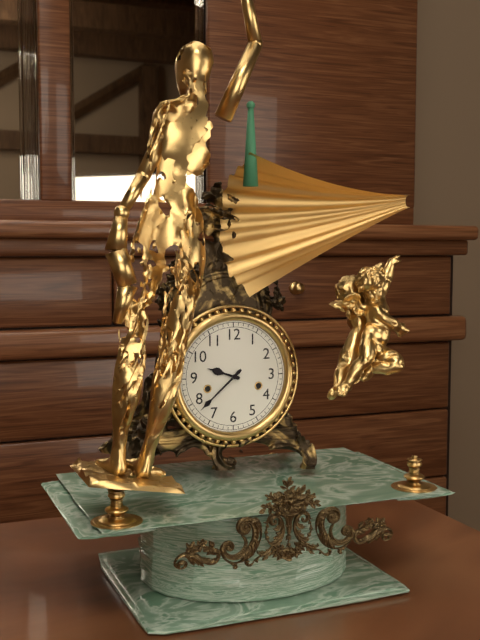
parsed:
9:38
